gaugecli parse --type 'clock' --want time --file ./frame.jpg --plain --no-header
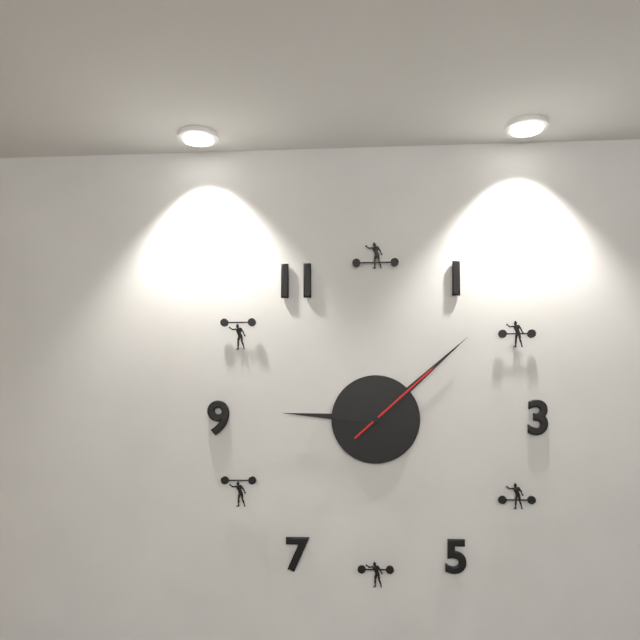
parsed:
9:08:08
